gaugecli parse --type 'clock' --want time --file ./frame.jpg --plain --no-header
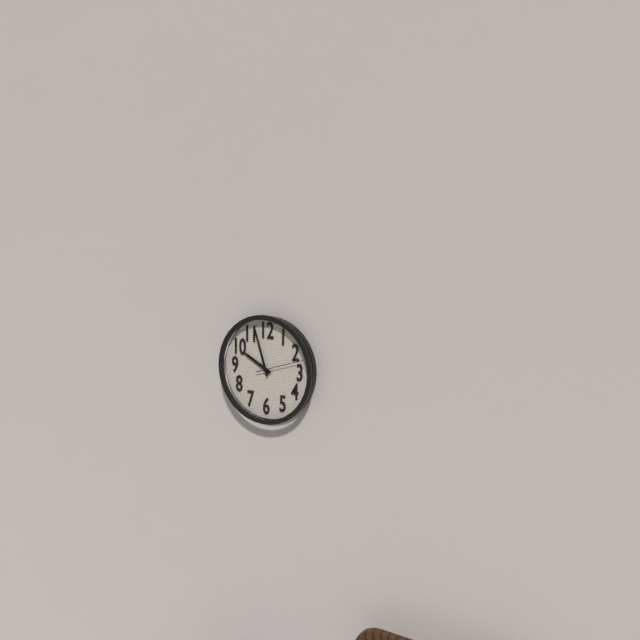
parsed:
9:57
